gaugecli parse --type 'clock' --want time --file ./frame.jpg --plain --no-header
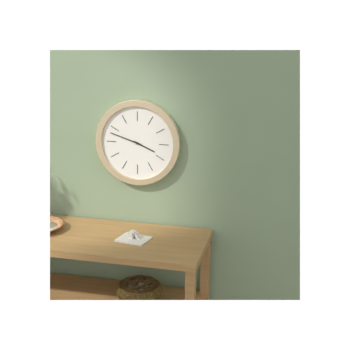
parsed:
3:48
